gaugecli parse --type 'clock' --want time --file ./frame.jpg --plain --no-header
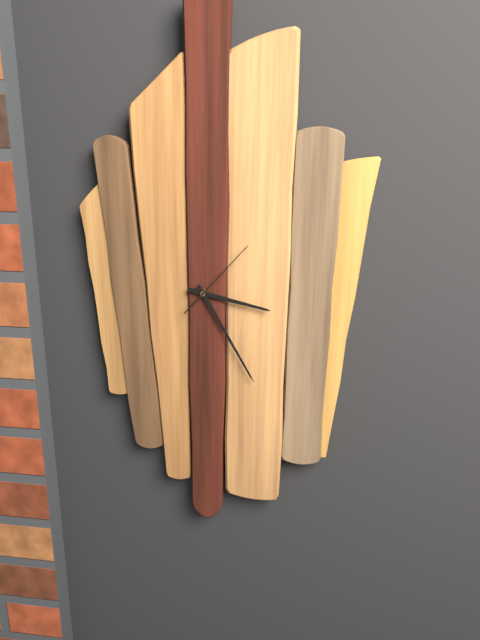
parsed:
3:25:07
